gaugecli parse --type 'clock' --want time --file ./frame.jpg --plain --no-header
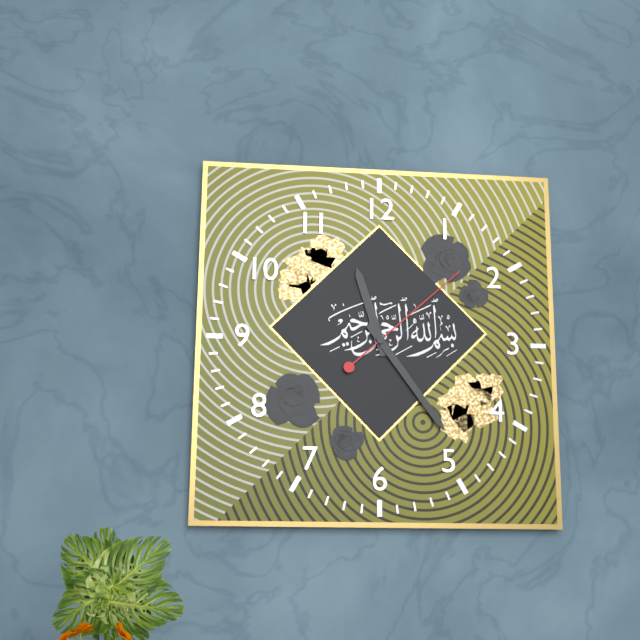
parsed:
11:24:08
